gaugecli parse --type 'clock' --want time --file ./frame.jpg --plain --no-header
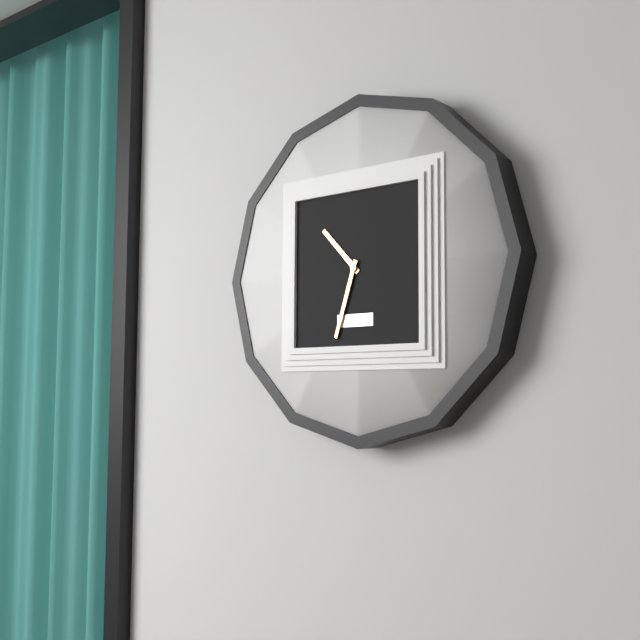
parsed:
10:33
